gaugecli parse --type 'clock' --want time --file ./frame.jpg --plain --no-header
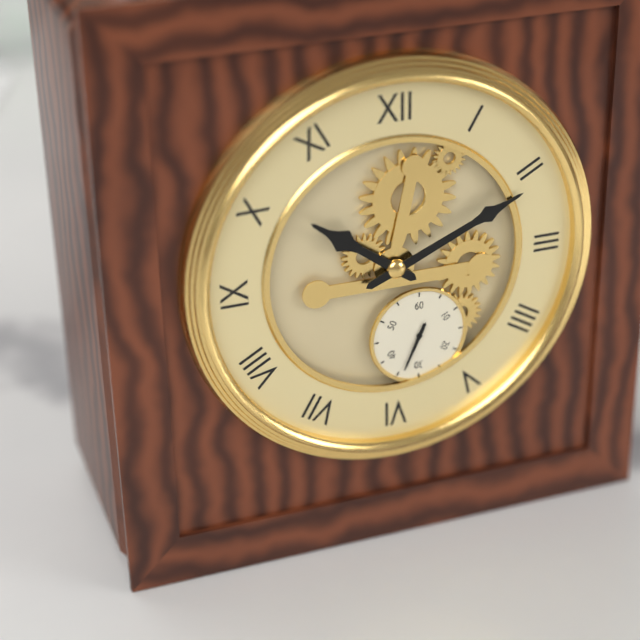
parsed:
10:11
